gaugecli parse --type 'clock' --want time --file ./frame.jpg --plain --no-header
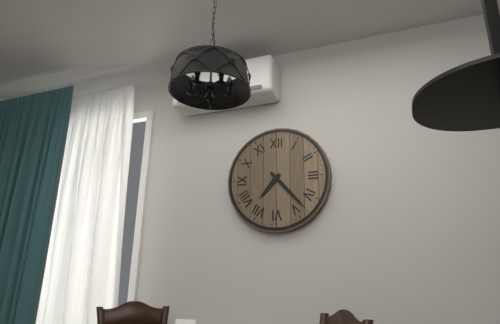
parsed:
7:23
